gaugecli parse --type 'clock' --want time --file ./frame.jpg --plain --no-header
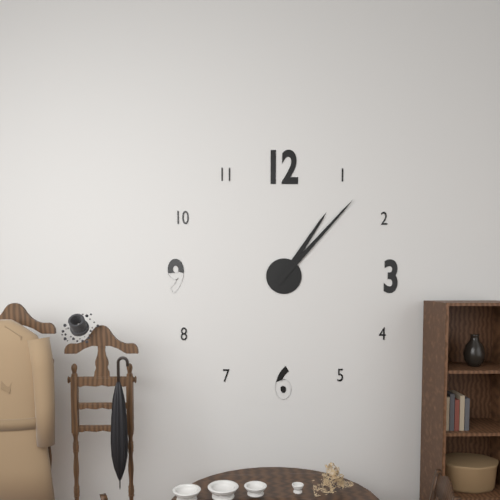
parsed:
1:07
